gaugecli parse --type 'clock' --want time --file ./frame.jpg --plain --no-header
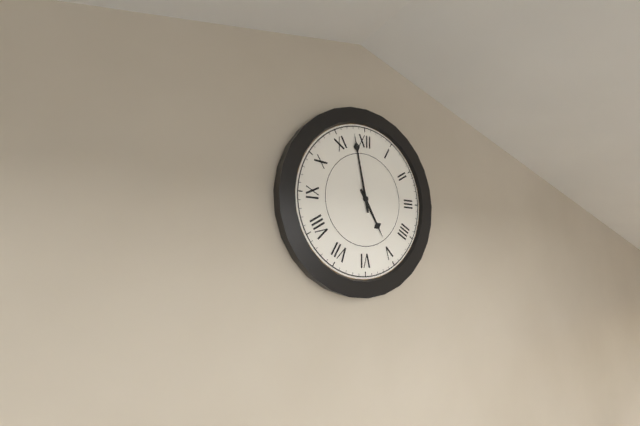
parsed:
4:58
